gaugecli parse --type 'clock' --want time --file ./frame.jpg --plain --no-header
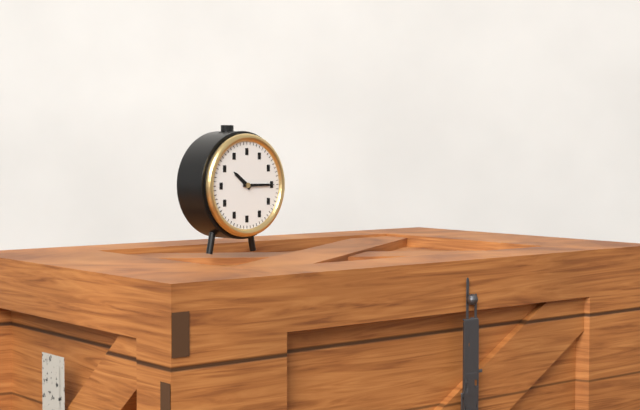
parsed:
10:15
